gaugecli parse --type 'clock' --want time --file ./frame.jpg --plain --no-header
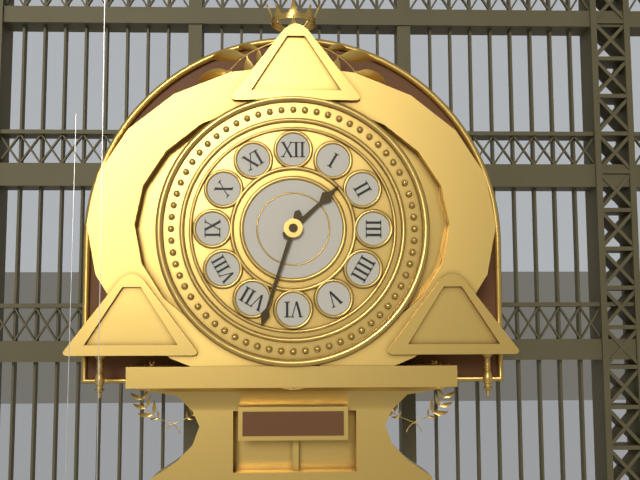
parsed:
1:33
